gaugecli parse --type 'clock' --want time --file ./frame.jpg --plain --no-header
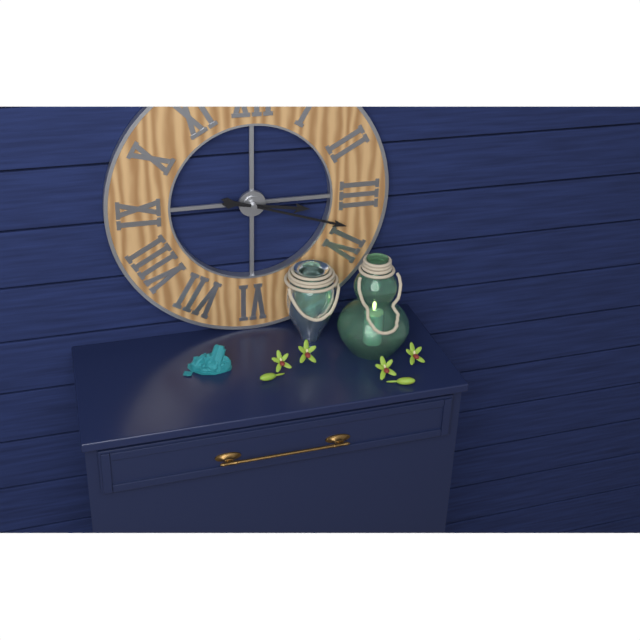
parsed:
3:18
